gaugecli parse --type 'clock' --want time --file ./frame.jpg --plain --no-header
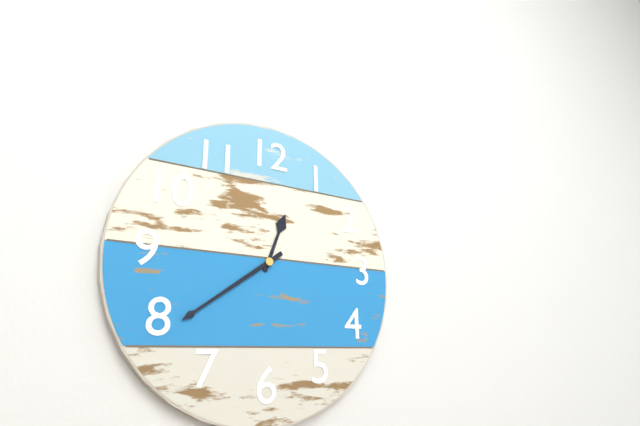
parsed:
12:39
